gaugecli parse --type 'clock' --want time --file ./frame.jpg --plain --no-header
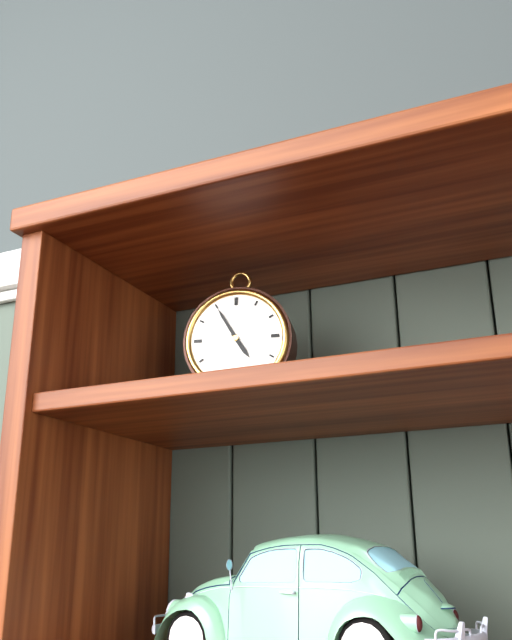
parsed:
4:55
